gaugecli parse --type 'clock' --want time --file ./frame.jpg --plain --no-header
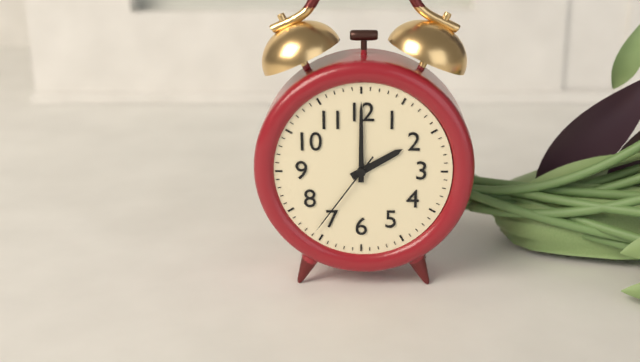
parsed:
2:00:36
